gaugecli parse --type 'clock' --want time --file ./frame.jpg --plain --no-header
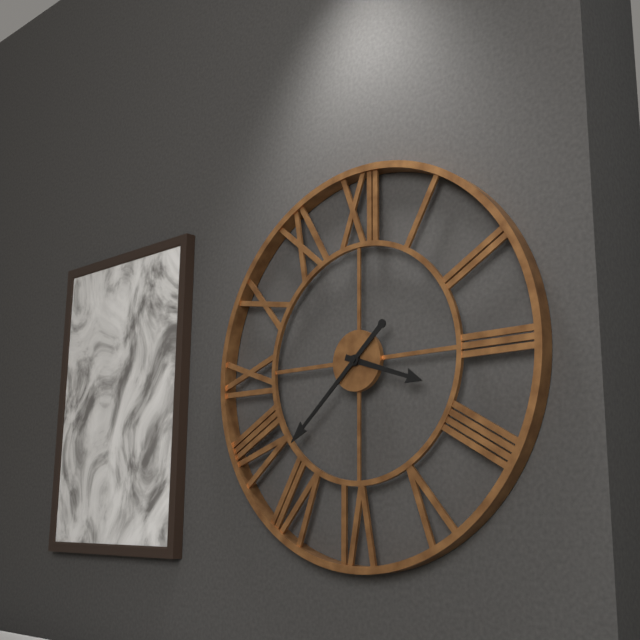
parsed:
3:38
